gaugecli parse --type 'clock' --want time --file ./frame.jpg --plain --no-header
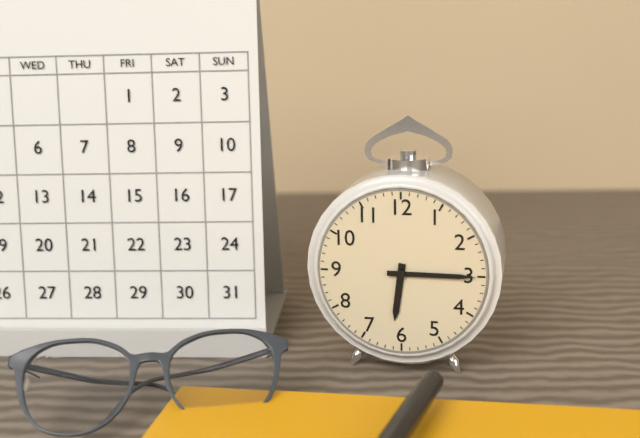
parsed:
6:15
